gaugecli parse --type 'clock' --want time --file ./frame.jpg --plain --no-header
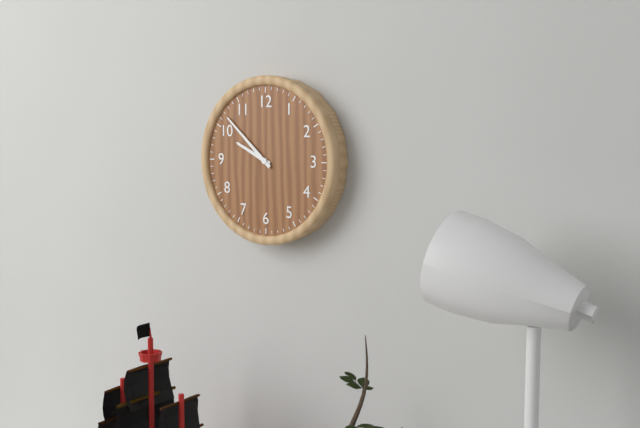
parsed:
9:52
